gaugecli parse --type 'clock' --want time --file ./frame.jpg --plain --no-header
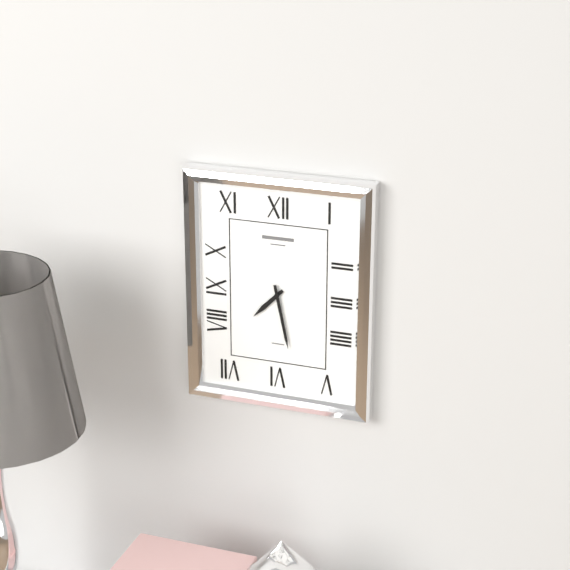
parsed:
7:28
